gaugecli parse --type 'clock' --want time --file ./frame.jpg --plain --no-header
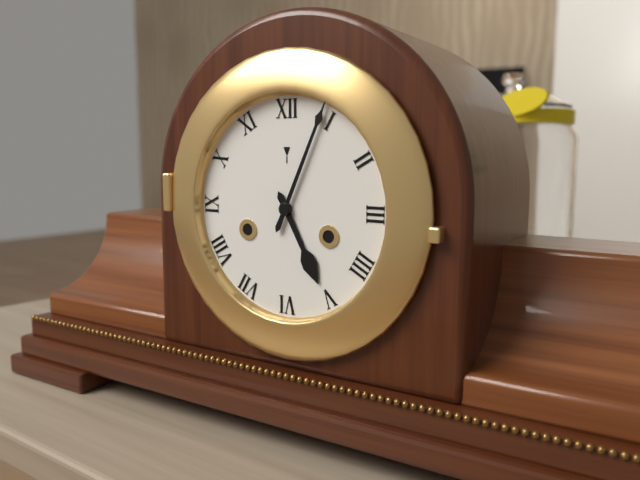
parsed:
5:04
